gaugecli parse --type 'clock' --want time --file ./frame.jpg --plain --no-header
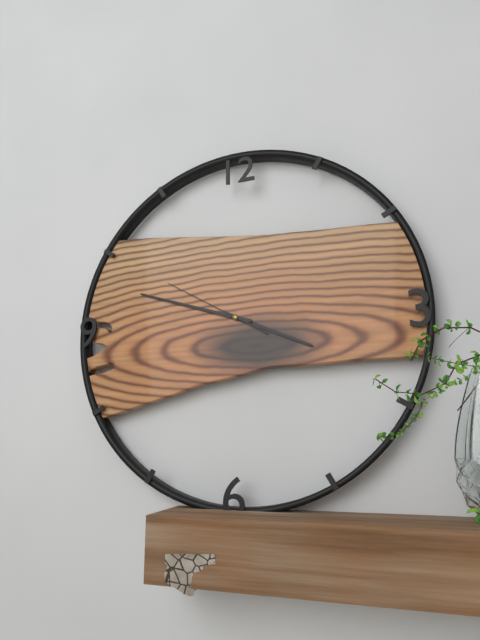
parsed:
3:48:50
